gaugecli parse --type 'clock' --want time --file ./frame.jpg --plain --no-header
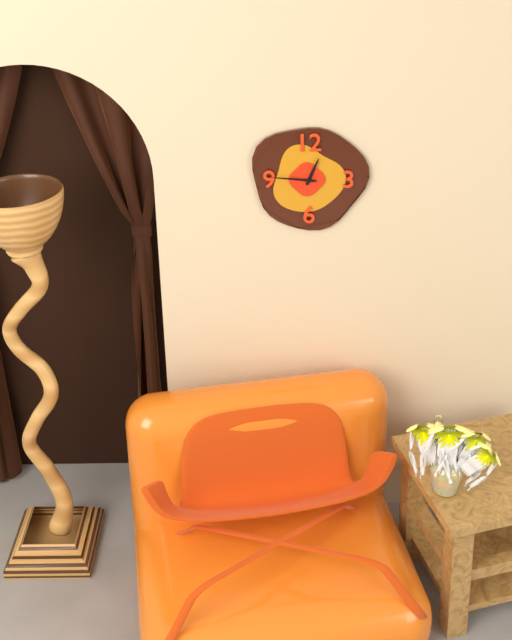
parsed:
12:46
